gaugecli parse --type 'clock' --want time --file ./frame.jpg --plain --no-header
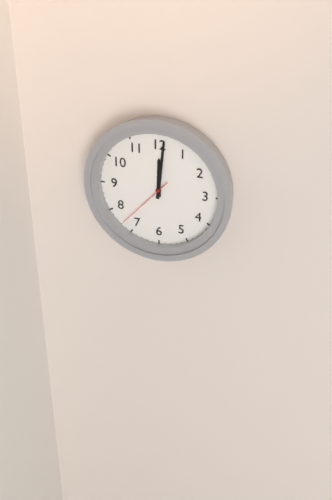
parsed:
12:01:37
